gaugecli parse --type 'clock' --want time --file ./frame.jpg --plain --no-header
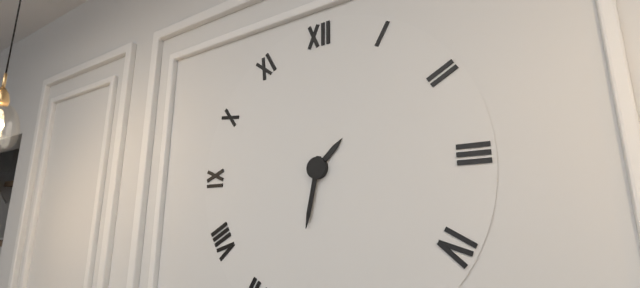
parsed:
1:32
